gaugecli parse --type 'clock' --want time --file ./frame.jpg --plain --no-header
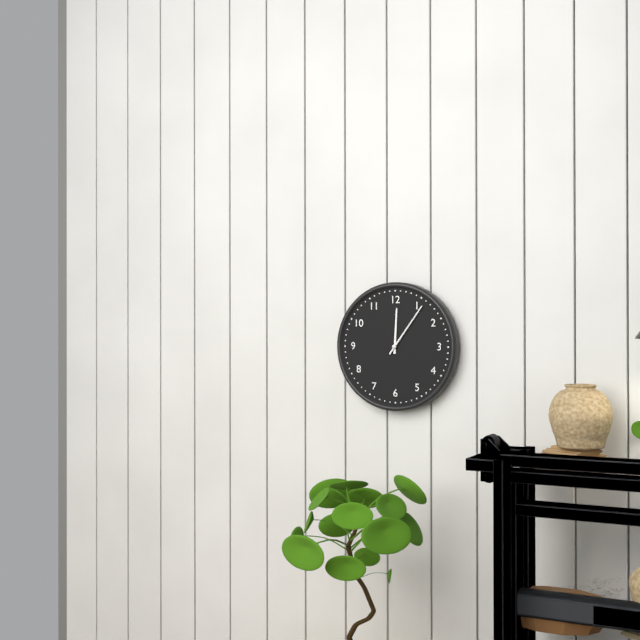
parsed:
12:06
